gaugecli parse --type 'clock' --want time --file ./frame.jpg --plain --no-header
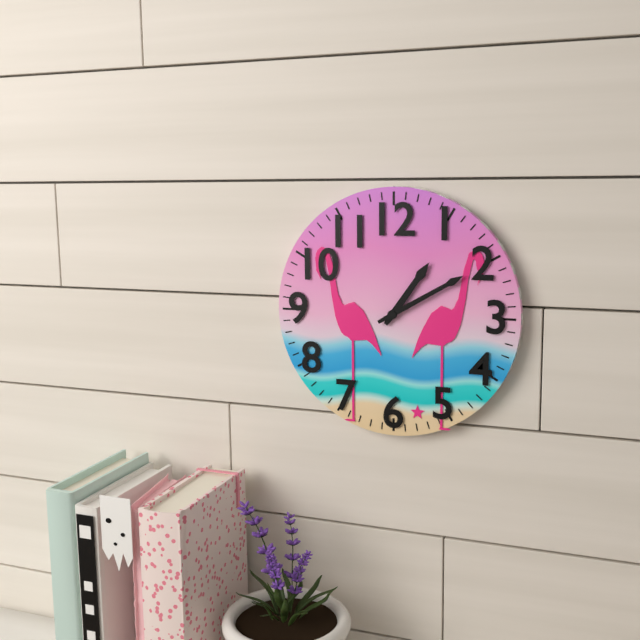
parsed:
1:10
